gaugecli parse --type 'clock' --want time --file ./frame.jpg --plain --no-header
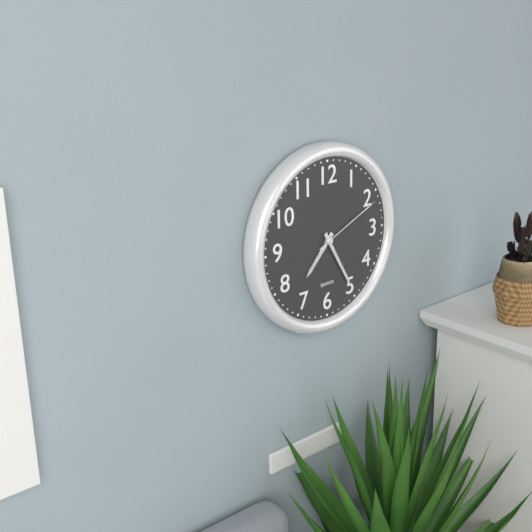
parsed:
7:25:11
